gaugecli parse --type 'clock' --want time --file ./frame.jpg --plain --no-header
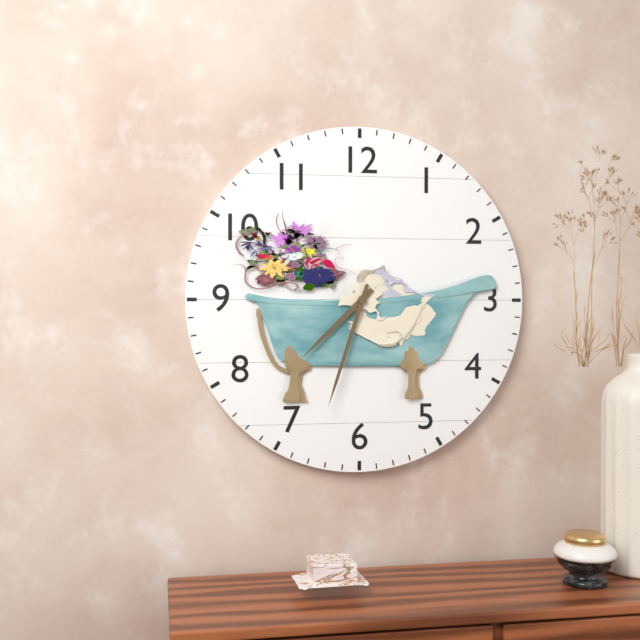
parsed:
7:33
